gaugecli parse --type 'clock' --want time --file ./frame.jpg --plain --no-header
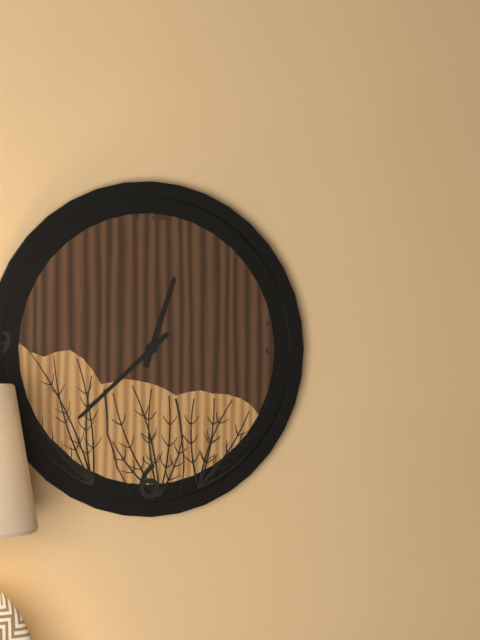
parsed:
12:38
